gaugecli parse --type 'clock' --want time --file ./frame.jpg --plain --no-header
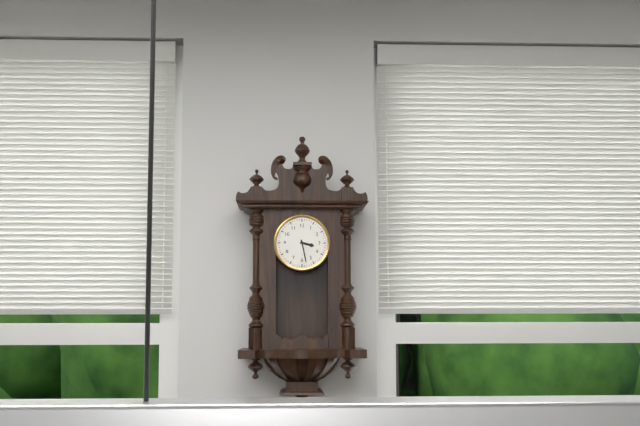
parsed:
3:28
